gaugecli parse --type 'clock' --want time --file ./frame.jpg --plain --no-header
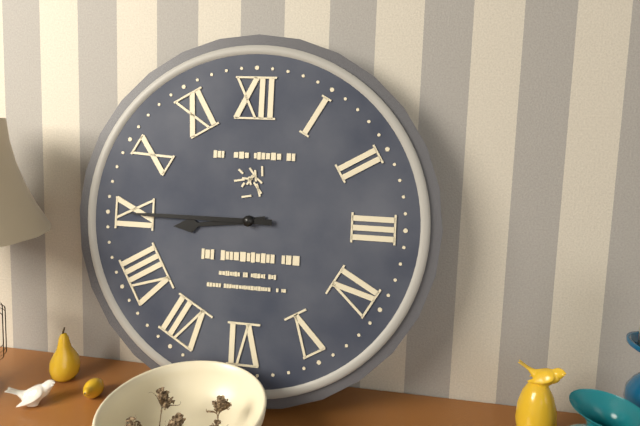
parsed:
8:45
